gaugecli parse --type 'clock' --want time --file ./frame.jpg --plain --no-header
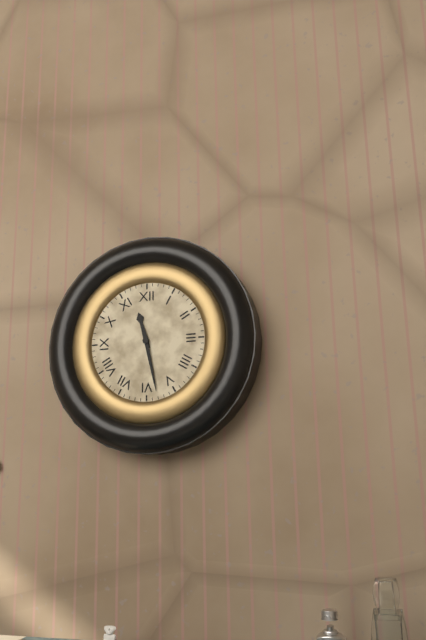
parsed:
11:28
